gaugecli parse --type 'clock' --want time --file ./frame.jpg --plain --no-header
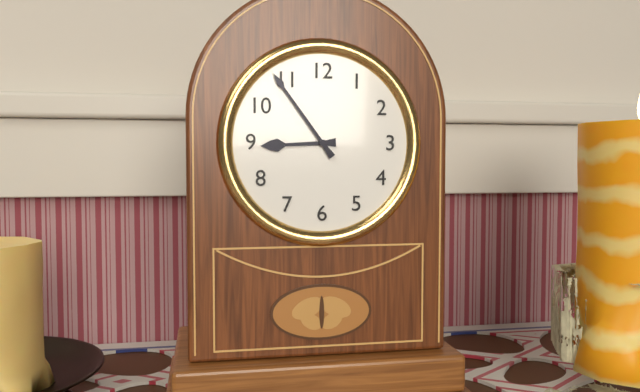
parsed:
8:54
